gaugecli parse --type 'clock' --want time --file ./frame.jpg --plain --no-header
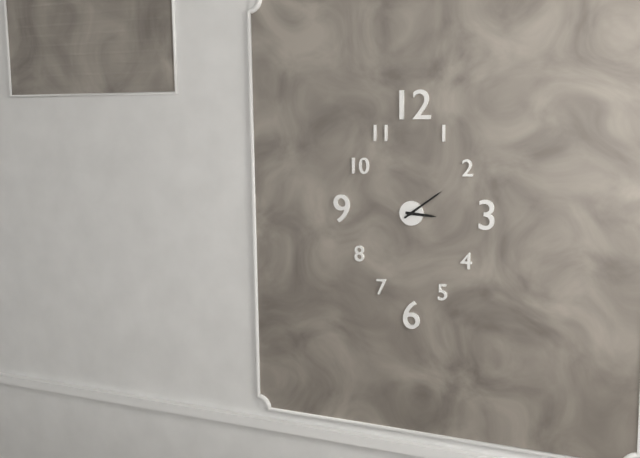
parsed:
3:09
